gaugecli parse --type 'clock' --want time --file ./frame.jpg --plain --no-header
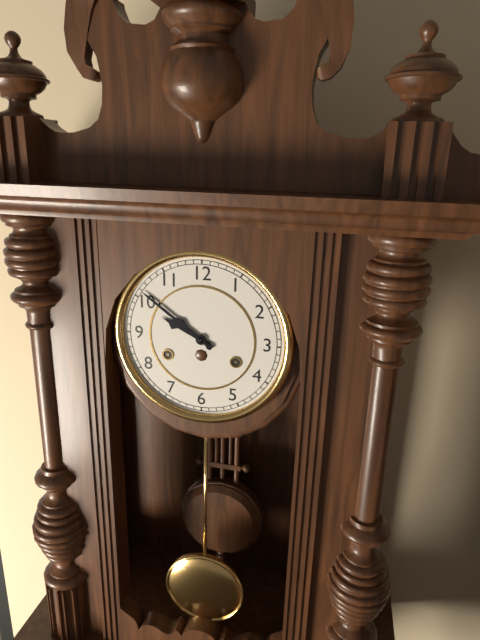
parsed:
9:51
